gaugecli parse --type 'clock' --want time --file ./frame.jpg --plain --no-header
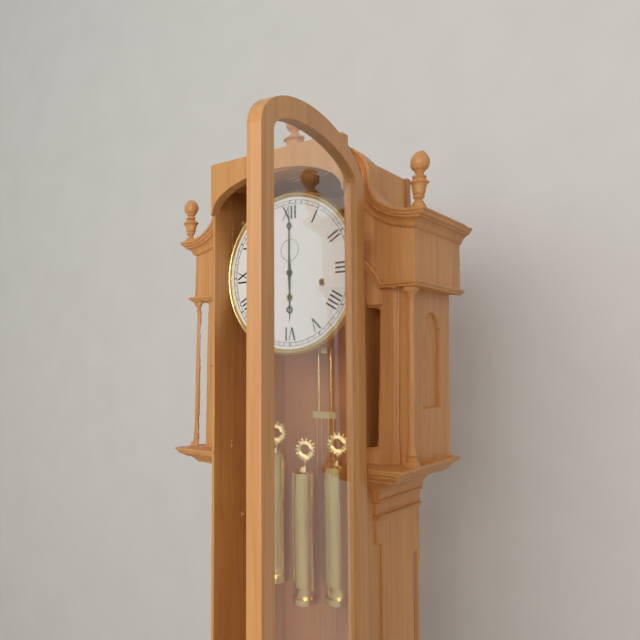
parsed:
6:00
